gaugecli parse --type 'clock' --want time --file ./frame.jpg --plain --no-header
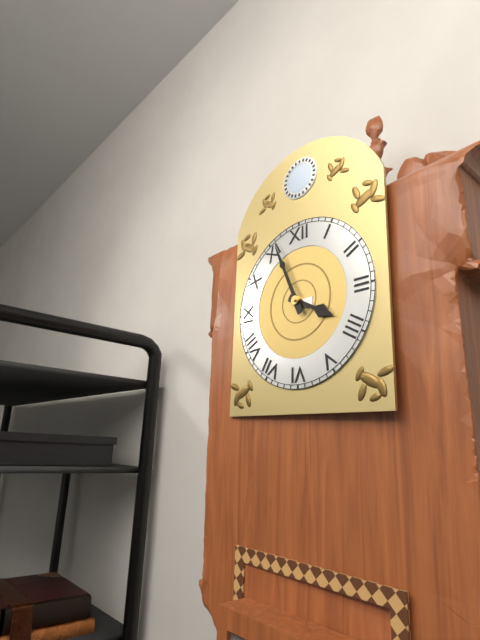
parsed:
3:56
